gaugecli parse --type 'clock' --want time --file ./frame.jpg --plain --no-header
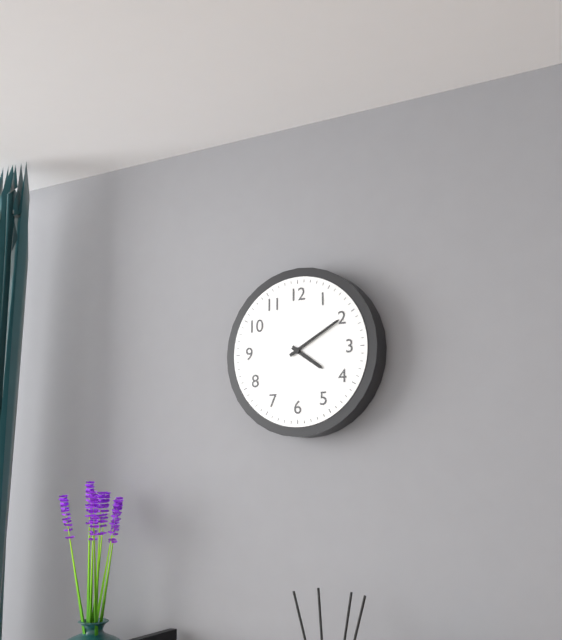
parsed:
4:10
